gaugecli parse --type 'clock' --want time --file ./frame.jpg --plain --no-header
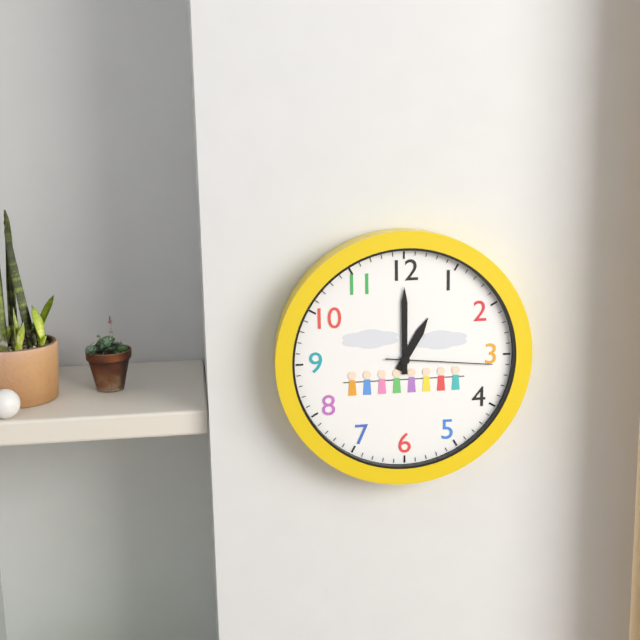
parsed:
1:00:16
